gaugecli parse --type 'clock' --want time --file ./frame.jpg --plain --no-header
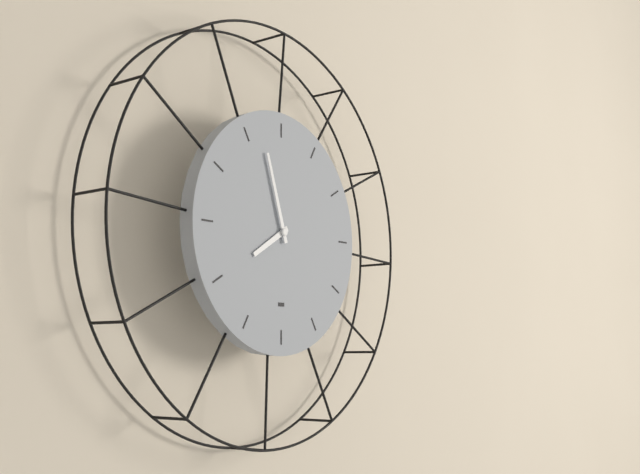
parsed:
7:57
